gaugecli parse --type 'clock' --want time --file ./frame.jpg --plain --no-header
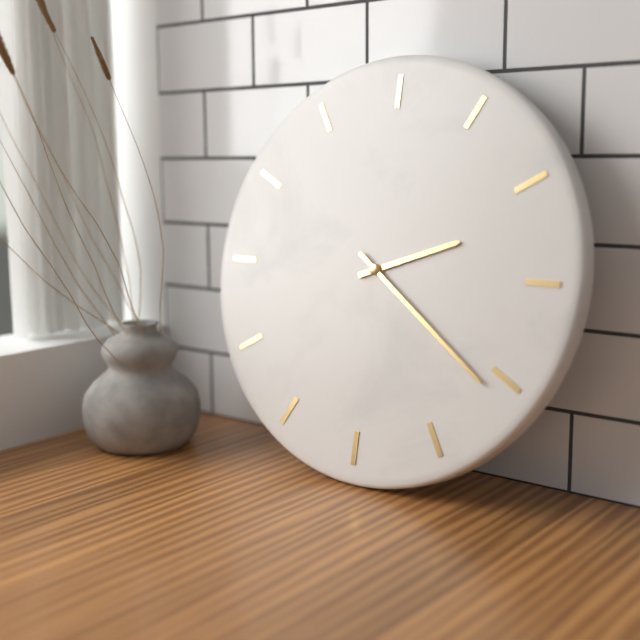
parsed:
2:21
